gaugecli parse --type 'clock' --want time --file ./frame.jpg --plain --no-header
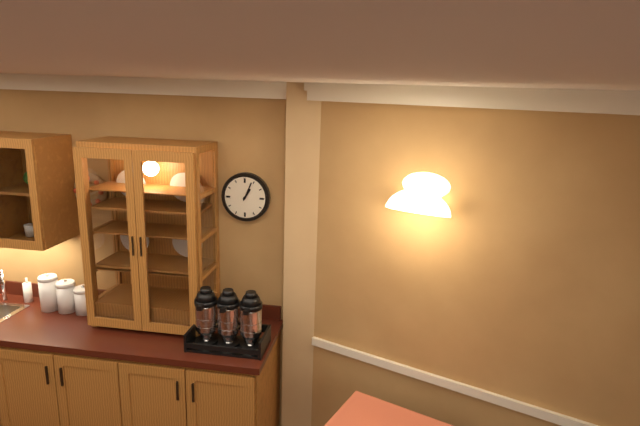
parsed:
1:04
